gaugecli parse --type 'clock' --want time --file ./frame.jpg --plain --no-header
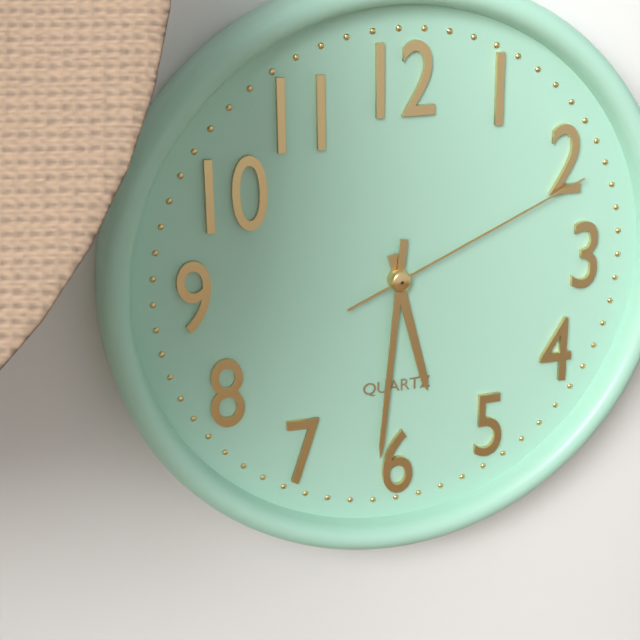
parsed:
5:31:11
